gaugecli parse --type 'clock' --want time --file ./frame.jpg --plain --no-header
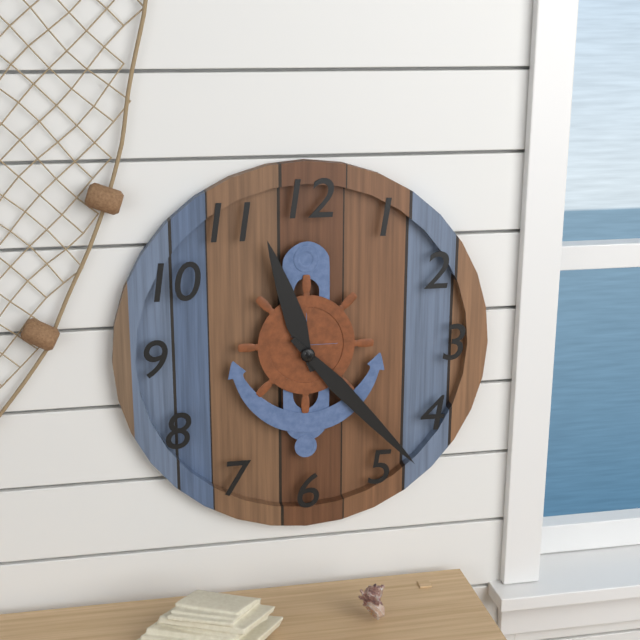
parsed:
11:23
